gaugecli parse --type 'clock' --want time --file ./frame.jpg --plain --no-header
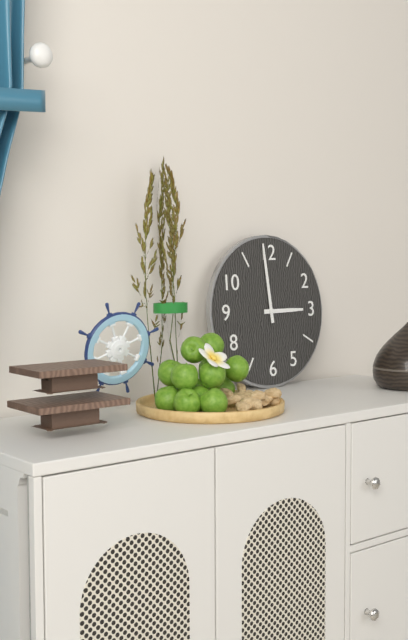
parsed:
2:59
